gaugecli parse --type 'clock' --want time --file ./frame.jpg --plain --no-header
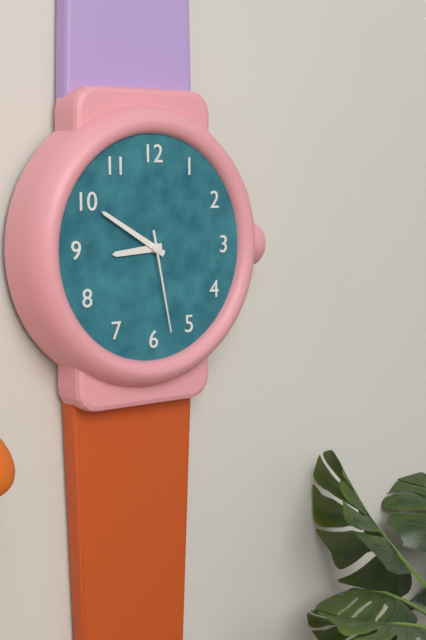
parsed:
8:50:28
